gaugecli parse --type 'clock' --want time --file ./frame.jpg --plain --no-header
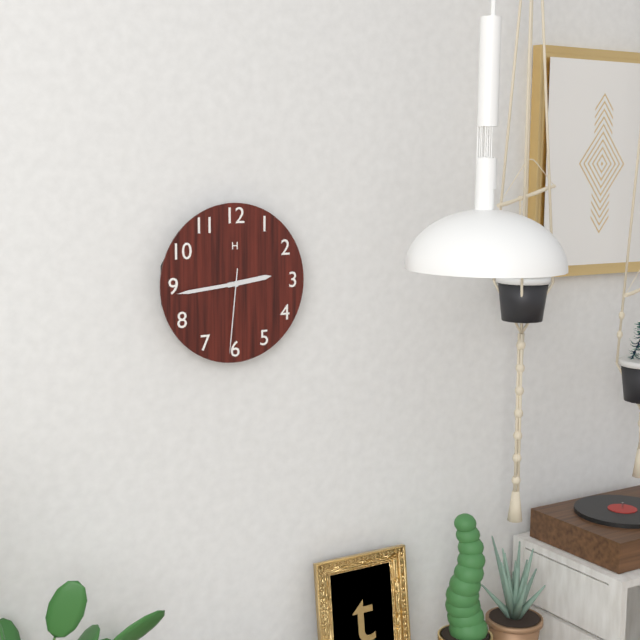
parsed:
2:44:31
